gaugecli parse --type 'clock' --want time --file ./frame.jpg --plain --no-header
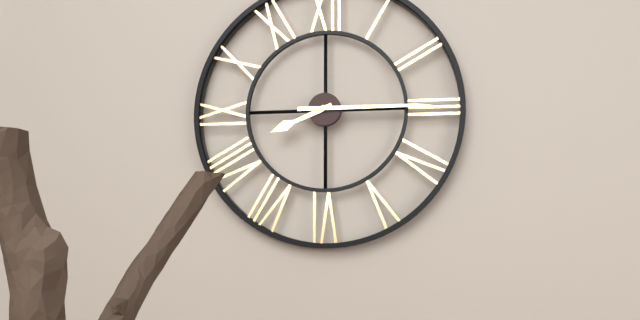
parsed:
8:15
